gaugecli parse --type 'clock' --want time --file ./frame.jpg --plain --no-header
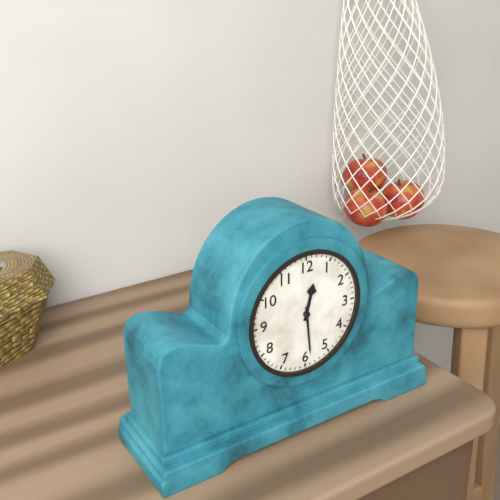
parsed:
12:29
